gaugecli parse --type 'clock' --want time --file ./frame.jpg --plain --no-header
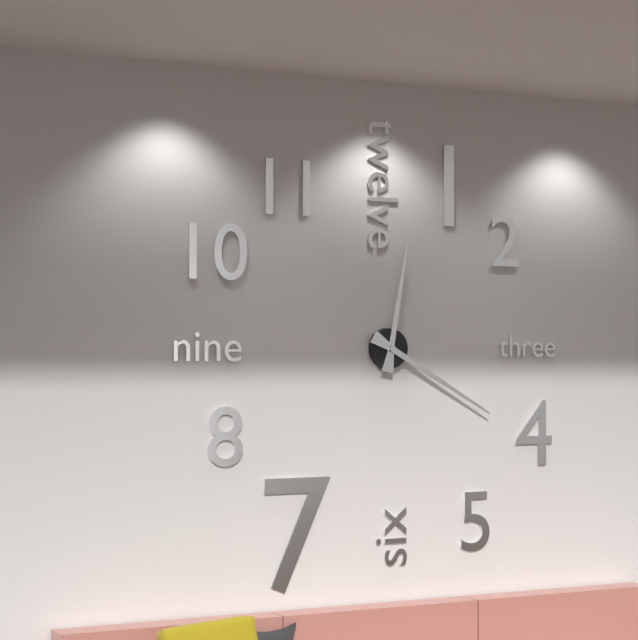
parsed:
12:20
